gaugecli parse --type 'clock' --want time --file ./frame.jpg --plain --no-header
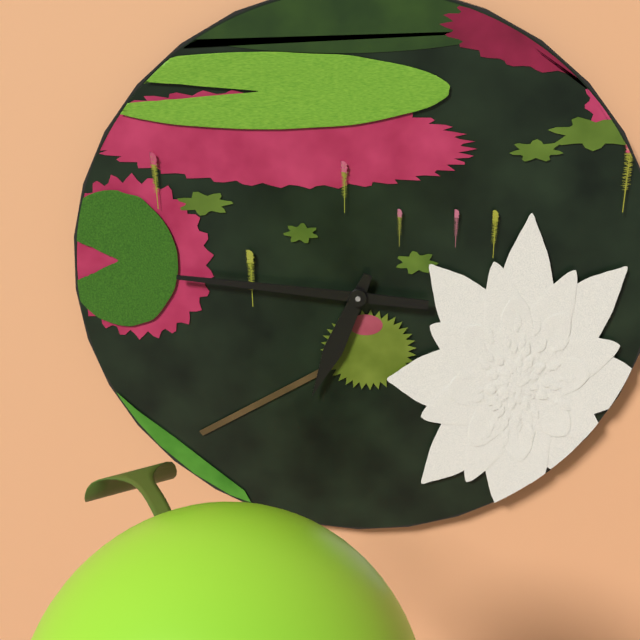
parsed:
6:46
